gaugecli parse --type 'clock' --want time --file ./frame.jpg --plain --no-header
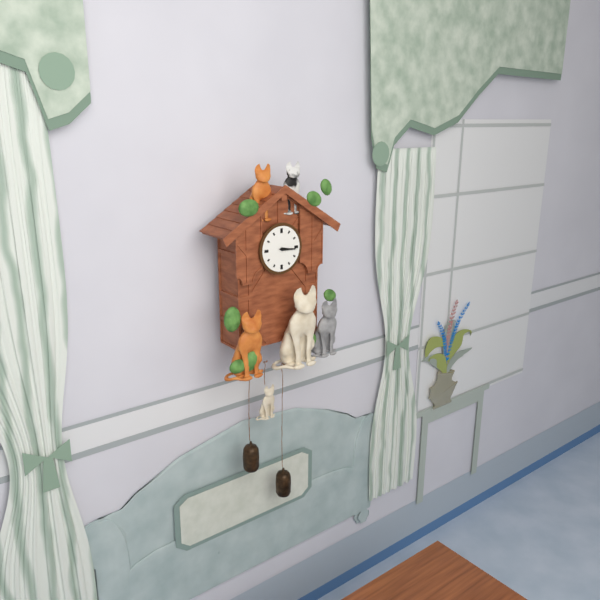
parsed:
3:16
